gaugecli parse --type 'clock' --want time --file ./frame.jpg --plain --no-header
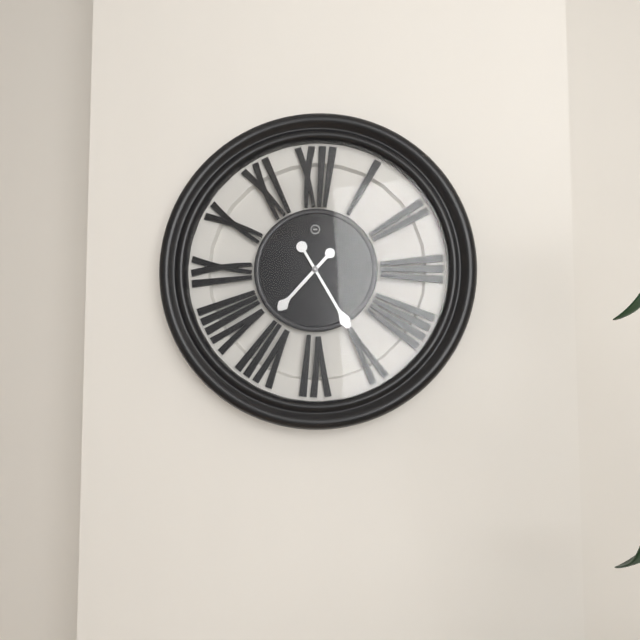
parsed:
7:25
